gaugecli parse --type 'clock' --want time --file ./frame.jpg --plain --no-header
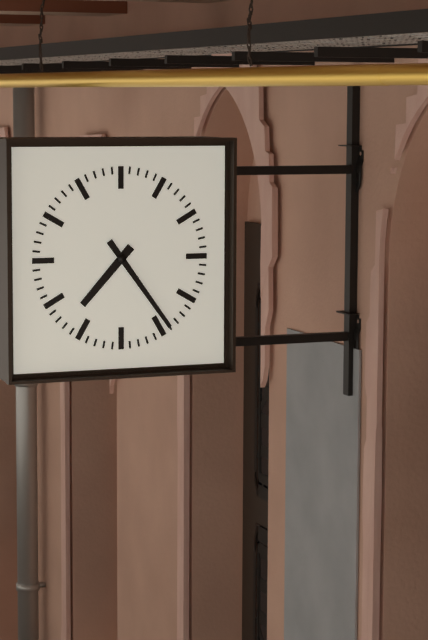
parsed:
7:24
